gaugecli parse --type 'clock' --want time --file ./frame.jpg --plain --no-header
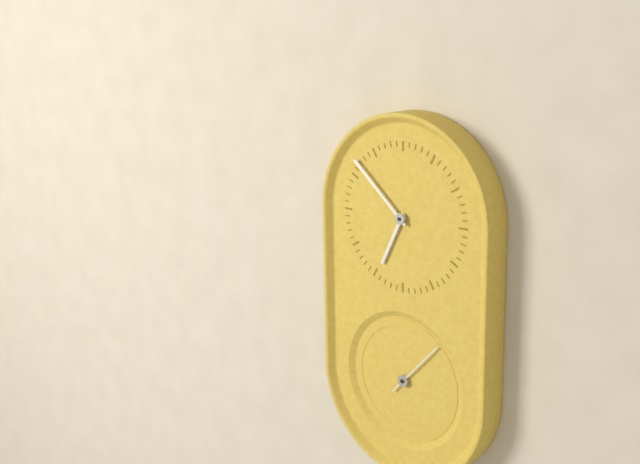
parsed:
6:52:07
